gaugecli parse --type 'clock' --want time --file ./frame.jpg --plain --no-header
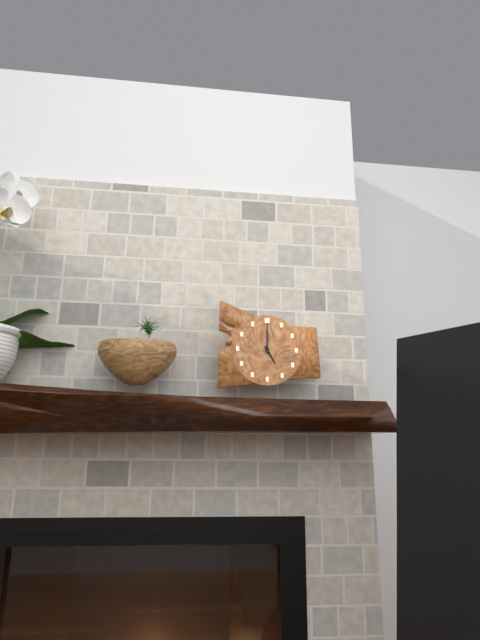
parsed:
5:00
